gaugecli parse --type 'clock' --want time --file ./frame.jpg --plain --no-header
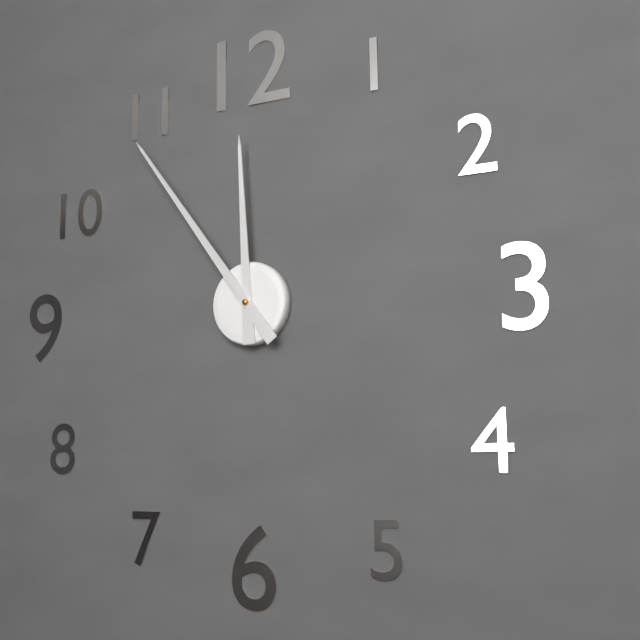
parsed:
11:54
